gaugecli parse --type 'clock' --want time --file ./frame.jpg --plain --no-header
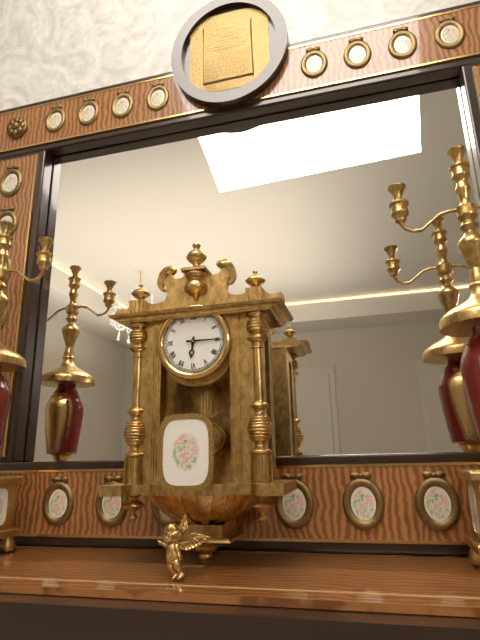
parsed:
6:15
